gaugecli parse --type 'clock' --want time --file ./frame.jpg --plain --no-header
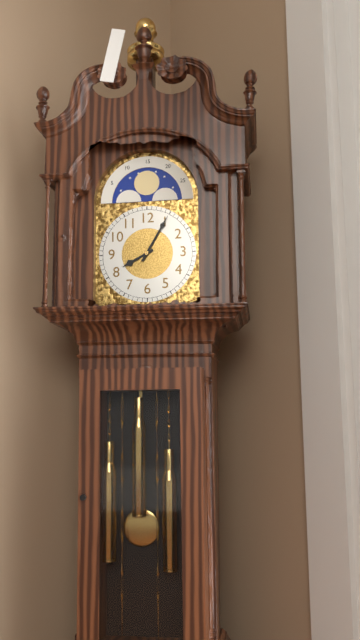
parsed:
8:05
